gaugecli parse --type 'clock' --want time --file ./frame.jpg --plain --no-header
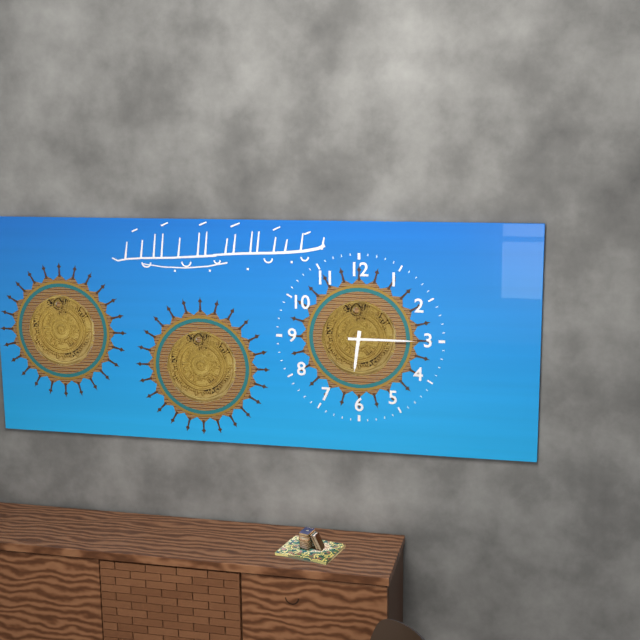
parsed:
6:15
